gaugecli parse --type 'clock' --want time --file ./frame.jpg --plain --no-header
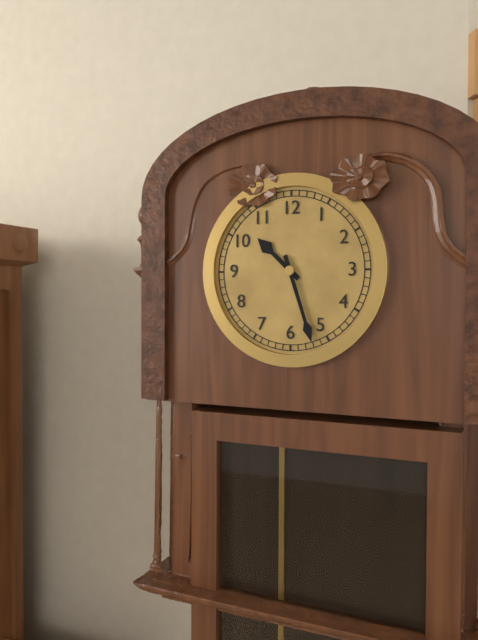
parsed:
10:27
